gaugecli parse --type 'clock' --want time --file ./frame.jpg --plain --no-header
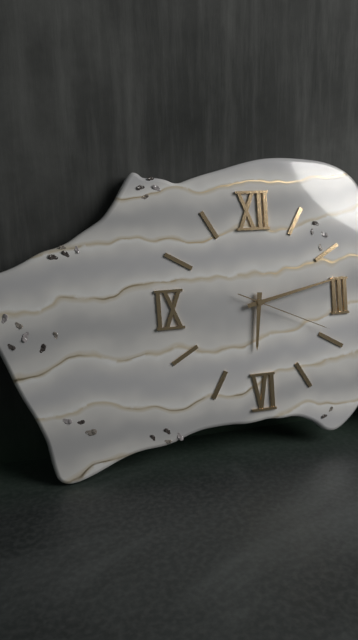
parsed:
6:13:19
